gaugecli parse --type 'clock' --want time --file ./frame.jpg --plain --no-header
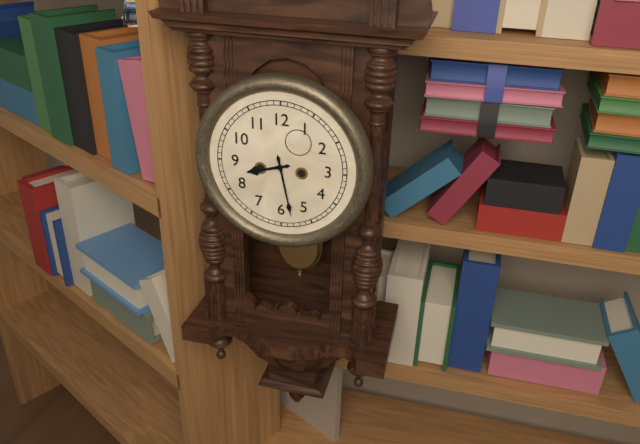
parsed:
8:28
